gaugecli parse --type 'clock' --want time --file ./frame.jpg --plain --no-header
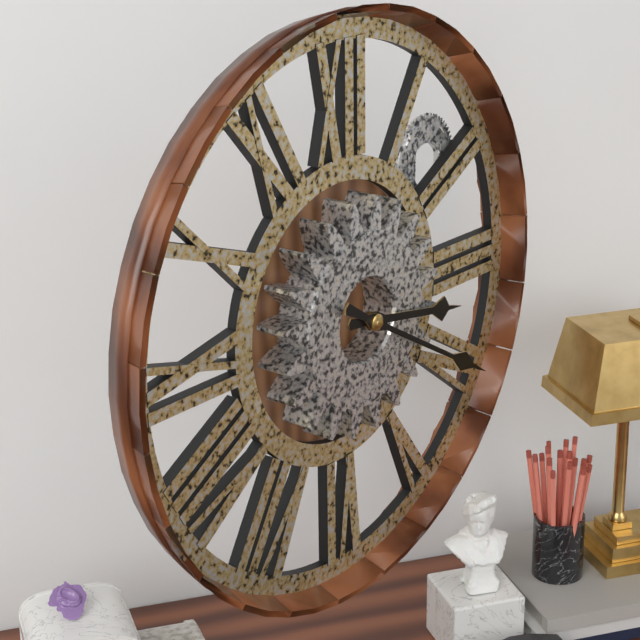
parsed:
3:20
